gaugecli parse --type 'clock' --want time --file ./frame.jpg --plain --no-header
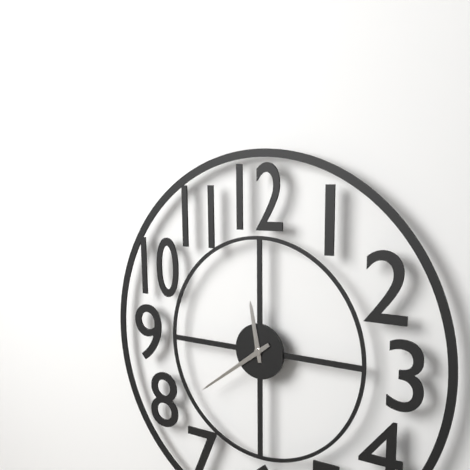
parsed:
11:39
